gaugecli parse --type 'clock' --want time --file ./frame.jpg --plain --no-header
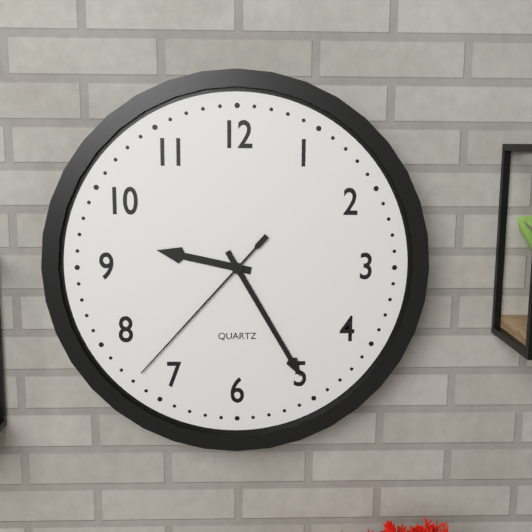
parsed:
9:25:37
